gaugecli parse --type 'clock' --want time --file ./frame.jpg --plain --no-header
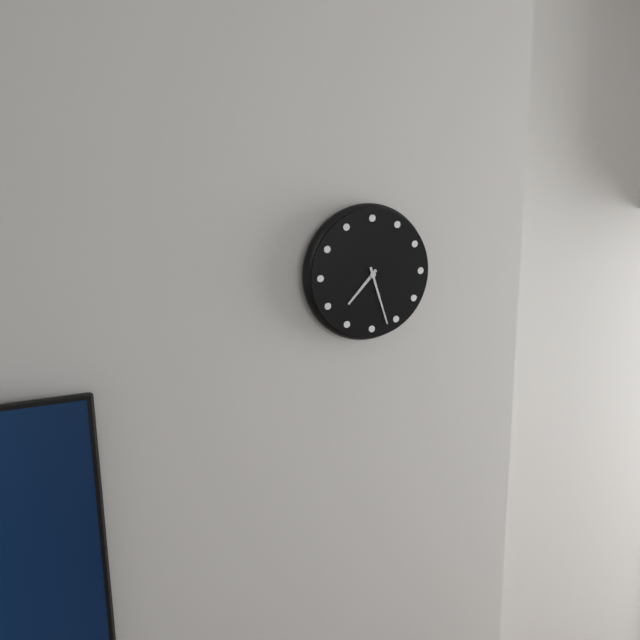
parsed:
7:27
